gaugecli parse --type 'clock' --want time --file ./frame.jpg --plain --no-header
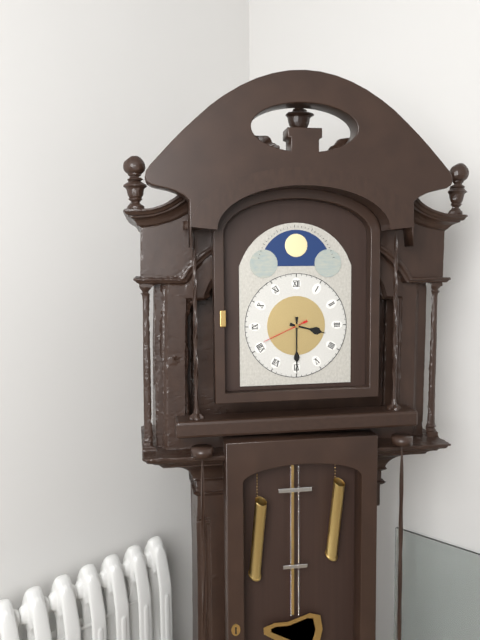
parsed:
3:30
